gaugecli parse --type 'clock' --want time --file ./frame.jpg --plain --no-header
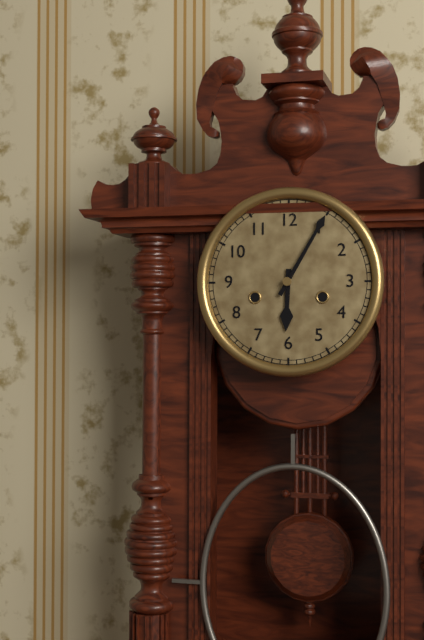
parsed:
6:05
